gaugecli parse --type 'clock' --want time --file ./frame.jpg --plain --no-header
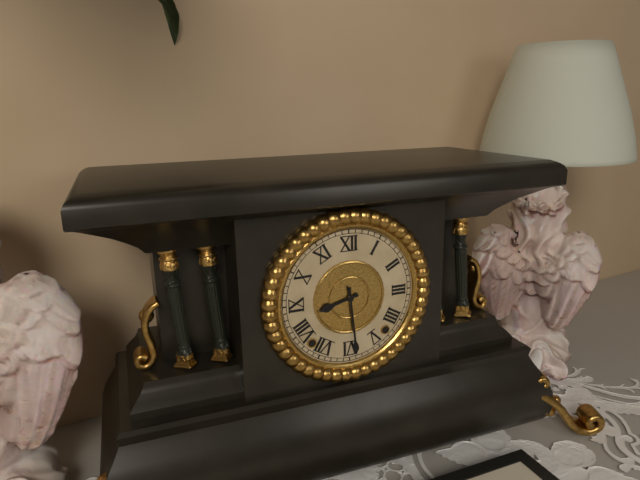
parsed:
8:29
